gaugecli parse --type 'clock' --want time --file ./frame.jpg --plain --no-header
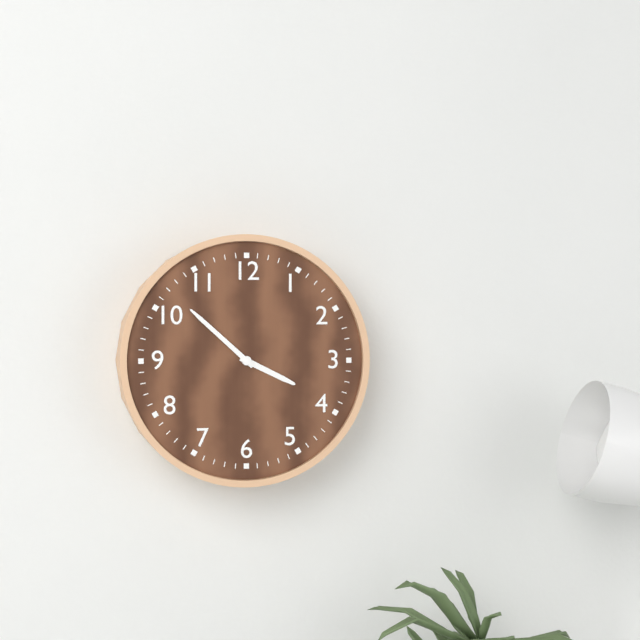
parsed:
3:52
